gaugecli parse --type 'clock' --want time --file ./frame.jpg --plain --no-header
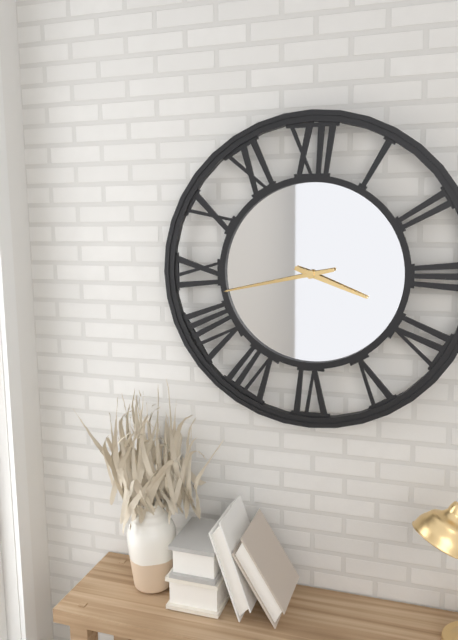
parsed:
3:43
